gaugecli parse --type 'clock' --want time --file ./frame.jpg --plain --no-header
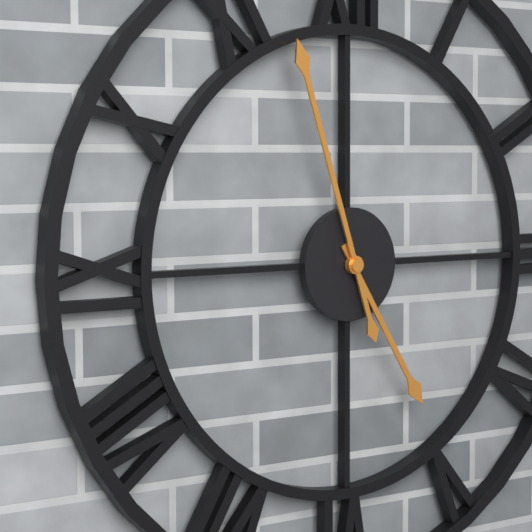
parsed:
4:57
